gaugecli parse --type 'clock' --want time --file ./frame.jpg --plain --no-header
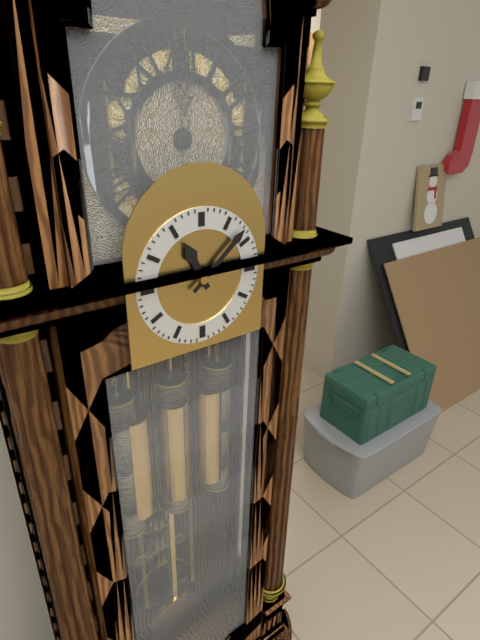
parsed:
11:08
